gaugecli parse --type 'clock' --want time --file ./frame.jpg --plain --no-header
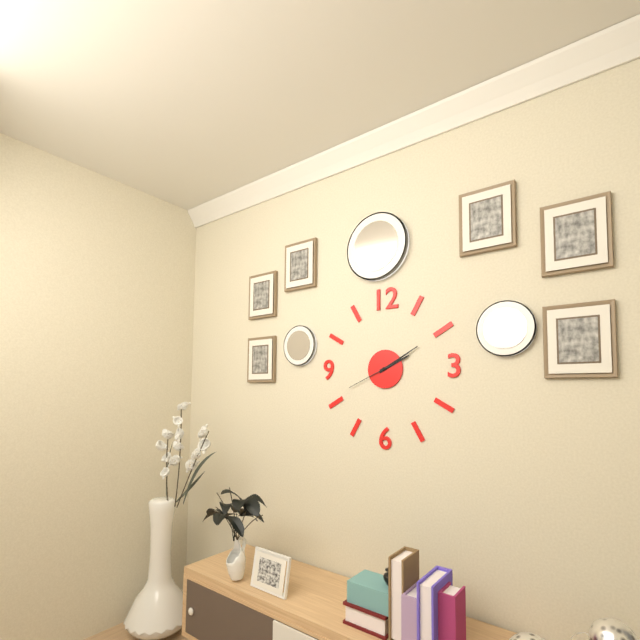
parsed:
2:10
